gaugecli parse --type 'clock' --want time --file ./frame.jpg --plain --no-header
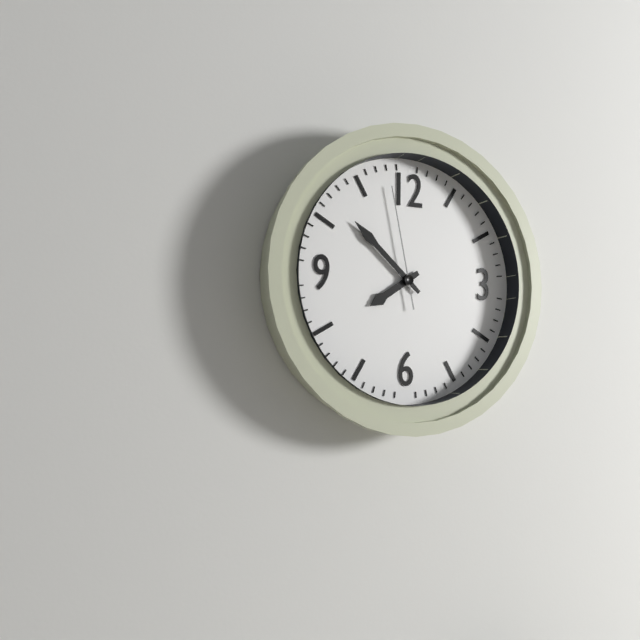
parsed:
7:52:58
